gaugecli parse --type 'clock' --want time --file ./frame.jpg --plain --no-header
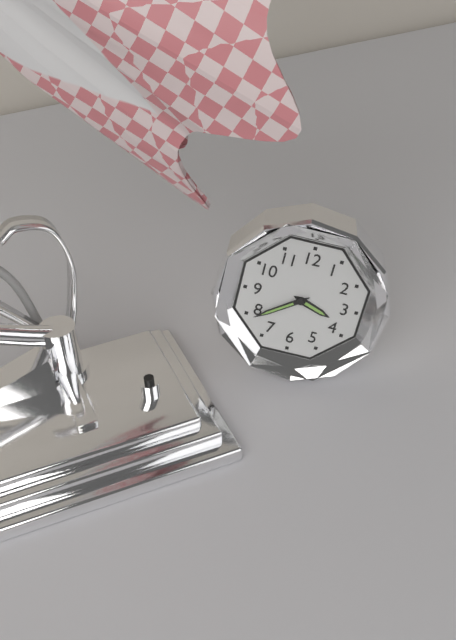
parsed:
3:39
